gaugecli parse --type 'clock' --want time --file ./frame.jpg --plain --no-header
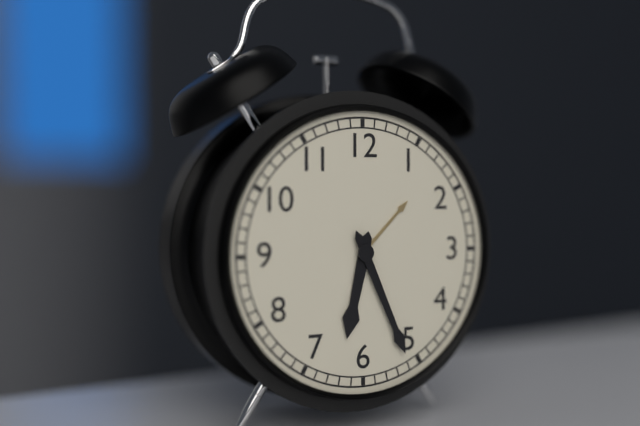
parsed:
6:26
